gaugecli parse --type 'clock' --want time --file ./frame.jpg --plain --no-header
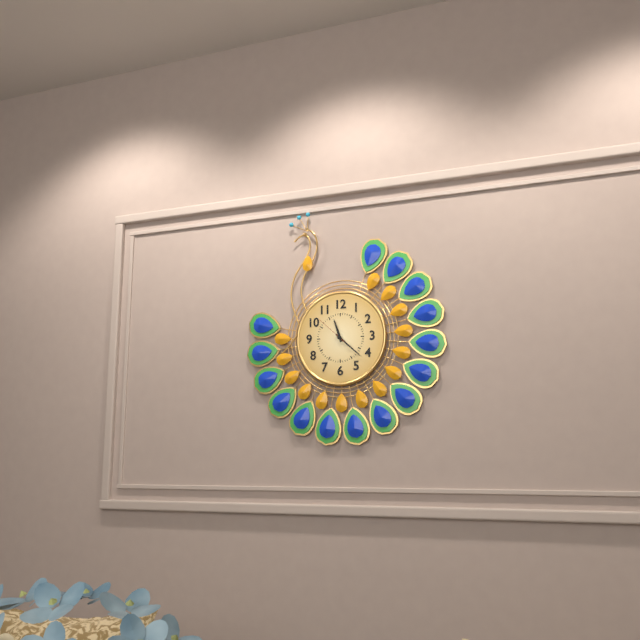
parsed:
11:22
